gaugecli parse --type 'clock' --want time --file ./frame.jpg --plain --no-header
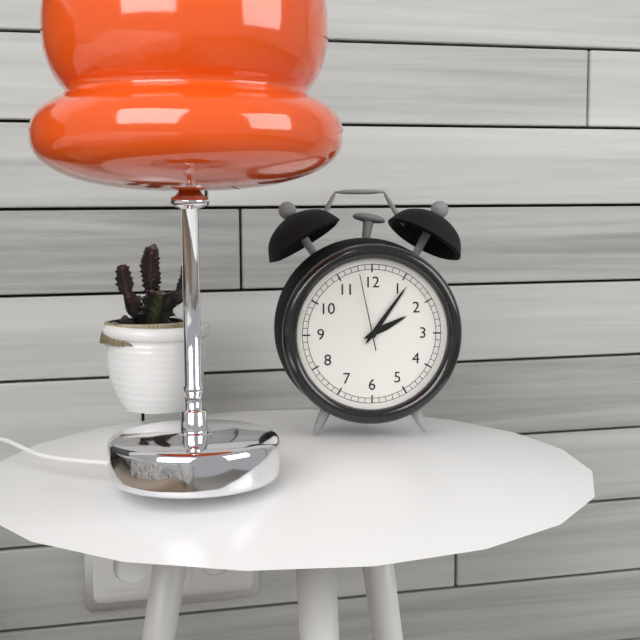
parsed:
2:06:58
